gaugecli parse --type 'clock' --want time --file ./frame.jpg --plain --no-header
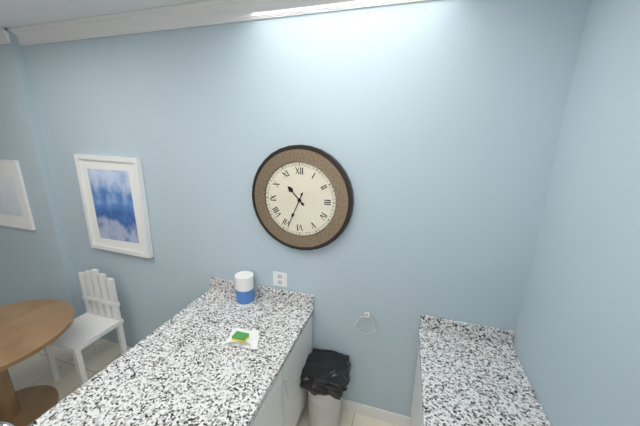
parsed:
10:34
